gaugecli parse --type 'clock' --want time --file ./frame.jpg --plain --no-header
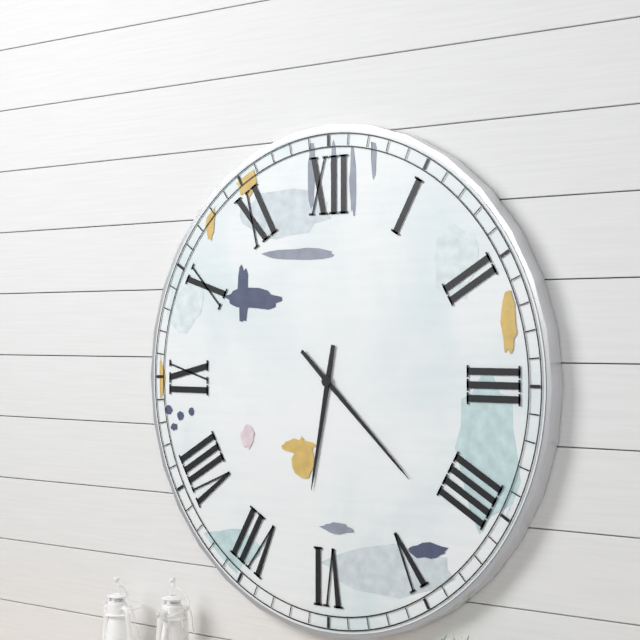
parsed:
6:22
